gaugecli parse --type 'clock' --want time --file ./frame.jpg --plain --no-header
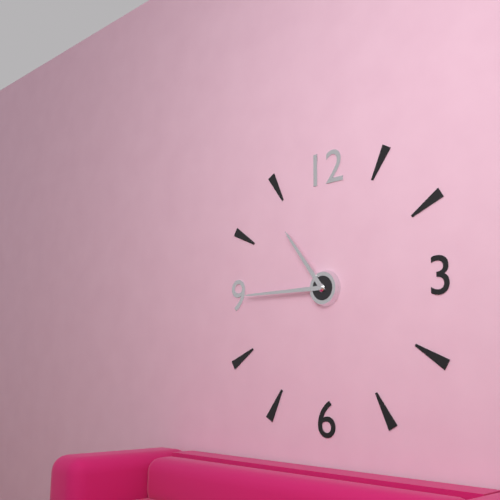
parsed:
10:45
